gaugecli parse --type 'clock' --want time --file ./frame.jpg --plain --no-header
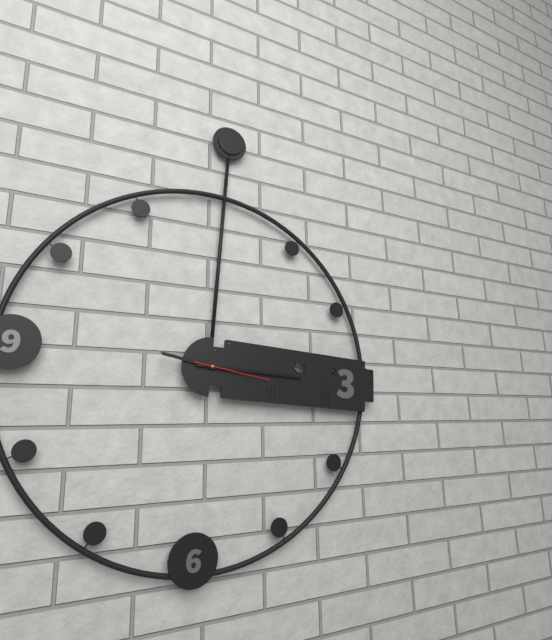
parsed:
9:15:16
